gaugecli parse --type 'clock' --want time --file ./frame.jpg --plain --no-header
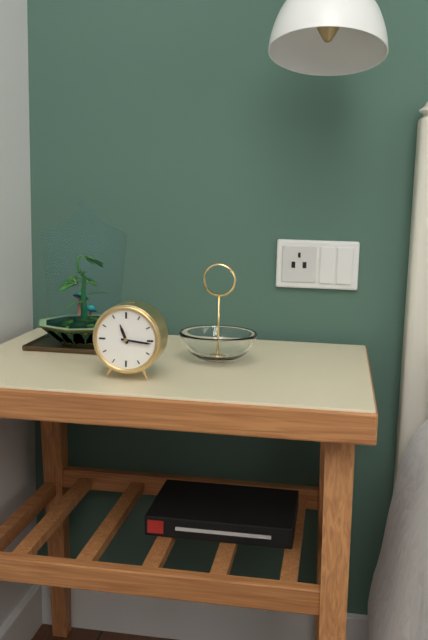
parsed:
11:16
